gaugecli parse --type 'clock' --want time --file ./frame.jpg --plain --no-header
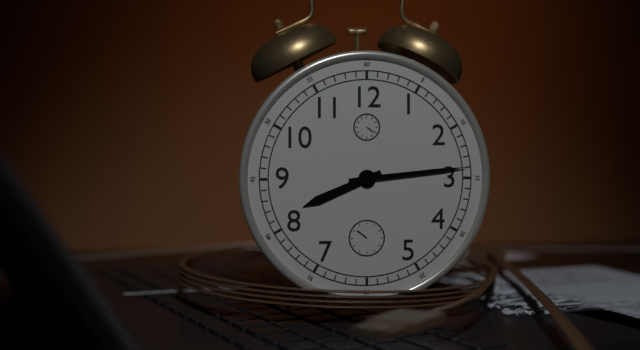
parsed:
8:14
